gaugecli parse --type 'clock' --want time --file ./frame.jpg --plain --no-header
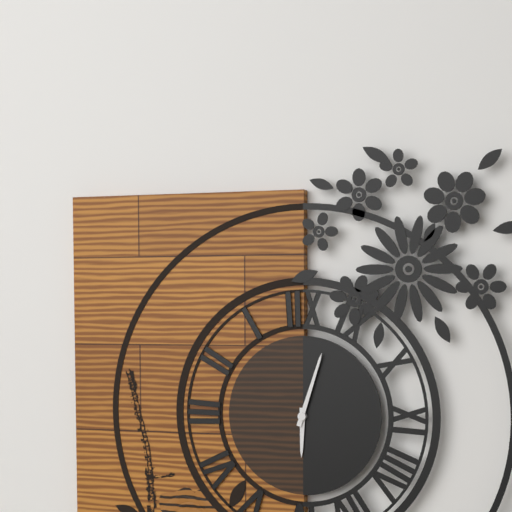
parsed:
6:03
